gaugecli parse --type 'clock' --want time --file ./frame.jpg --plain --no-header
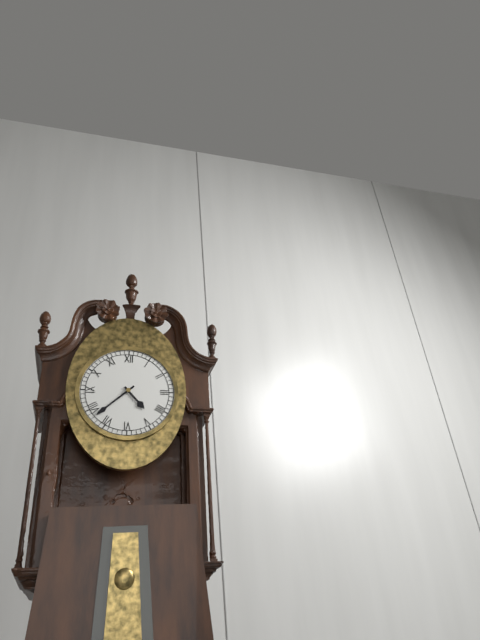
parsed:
4:38
